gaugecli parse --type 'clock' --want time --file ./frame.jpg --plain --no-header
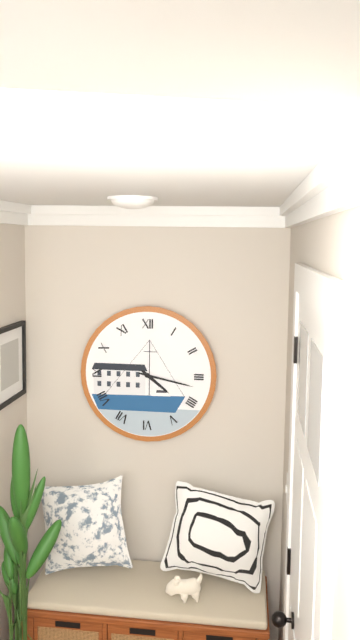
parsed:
4:17
